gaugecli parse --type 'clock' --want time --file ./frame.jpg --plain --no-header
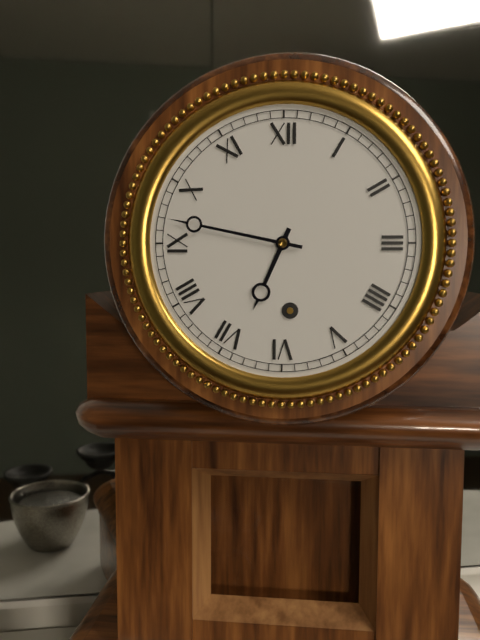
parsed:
6:47
